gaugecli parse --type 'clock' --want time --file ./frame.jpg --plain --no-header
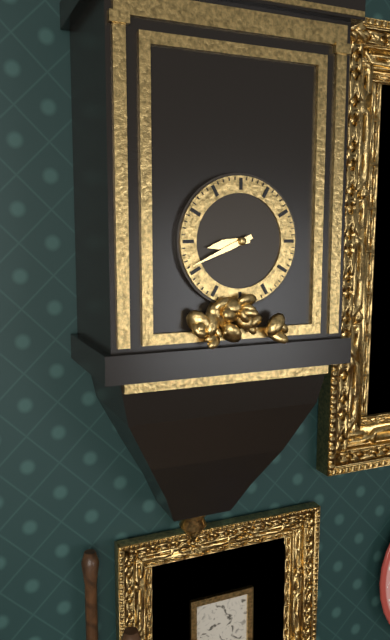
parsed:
8:41
